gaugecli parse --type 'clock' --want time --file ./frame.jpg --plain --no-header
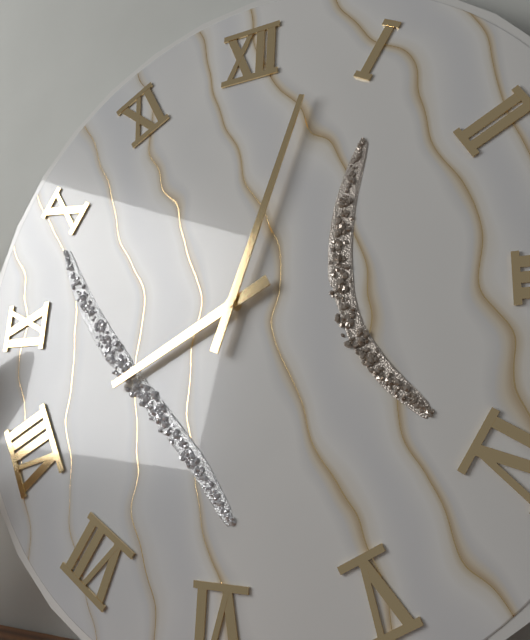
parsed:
8:03
